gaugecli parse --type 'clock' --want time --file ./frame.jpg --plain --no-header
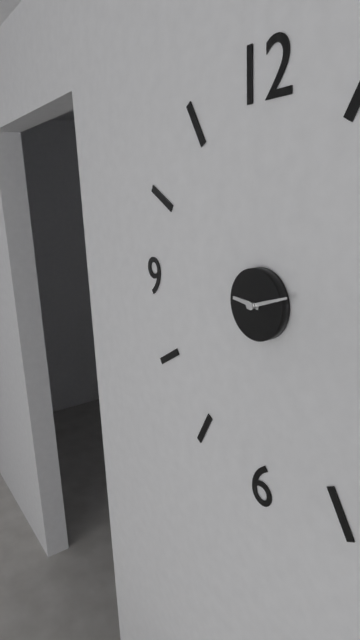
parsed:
9:12
